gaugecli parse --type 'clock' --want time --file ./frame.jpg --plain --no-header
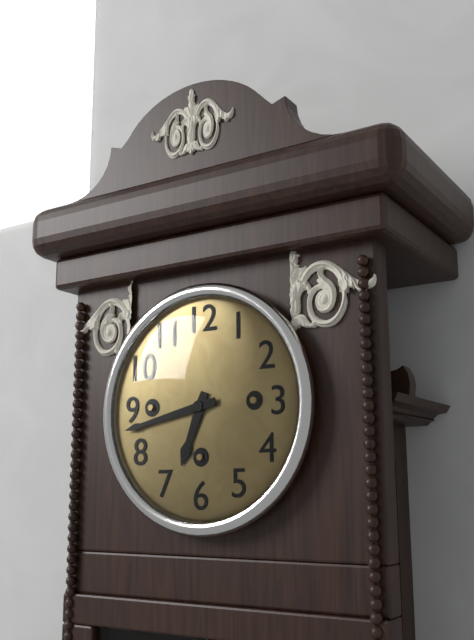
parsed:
6:43
